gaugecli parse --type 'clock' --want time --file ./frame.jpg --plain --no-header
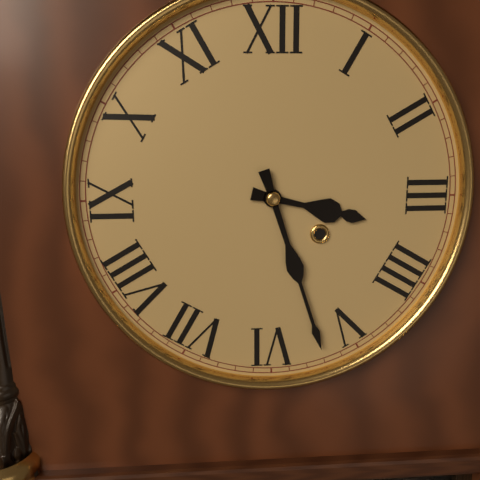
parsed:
3:27
